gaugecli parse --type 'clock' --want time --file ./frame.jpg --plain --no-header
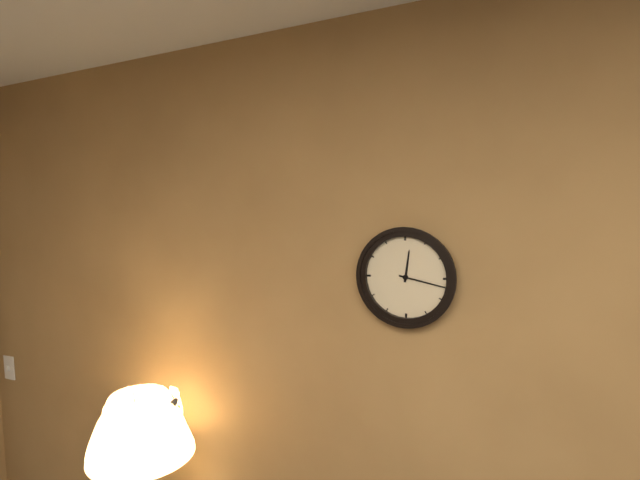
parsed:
12:17
